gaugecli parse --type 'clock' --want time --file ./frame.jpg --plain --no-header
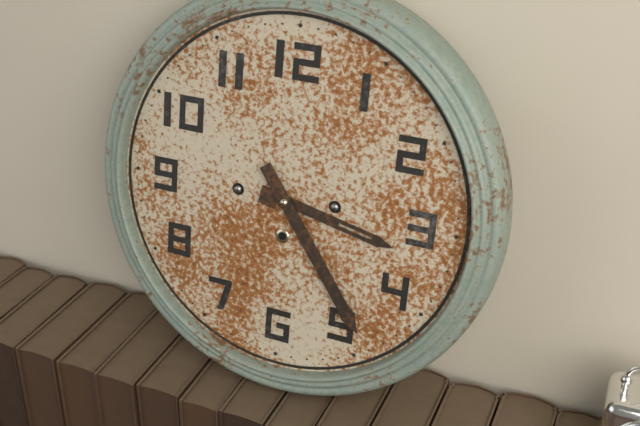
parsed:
3:24
